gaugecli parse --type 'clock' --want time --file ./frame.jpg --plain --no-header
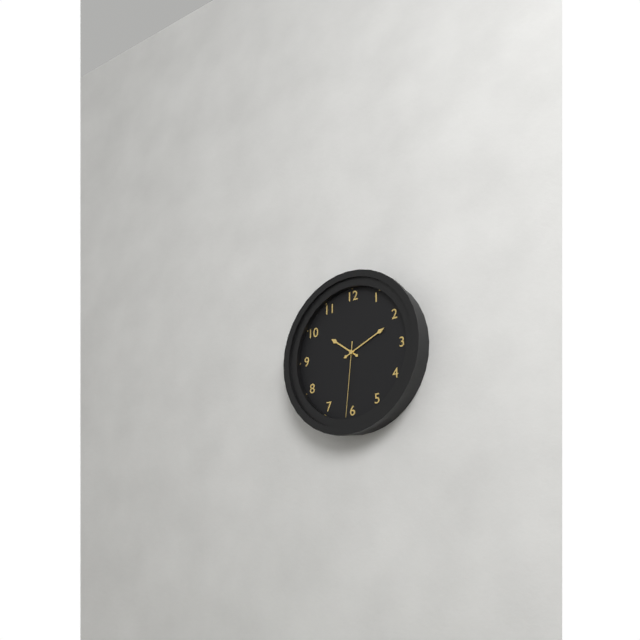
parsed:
10:11:31
